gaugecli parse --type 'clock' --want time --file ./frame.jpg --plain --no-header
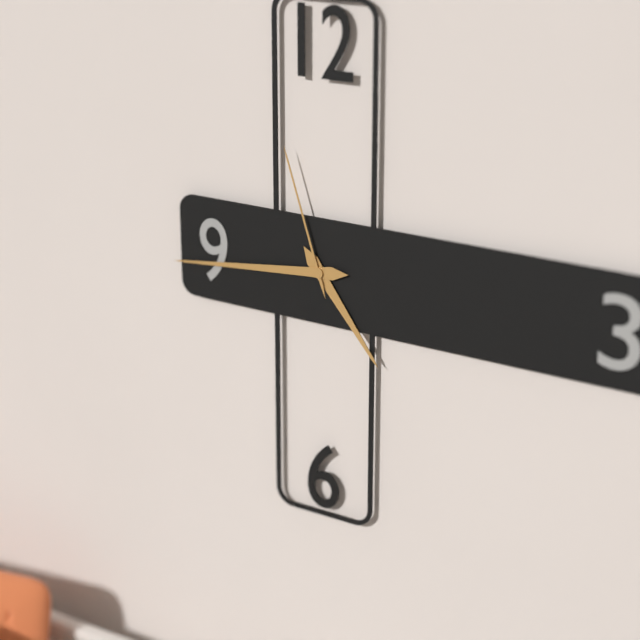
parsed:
4:44:57
